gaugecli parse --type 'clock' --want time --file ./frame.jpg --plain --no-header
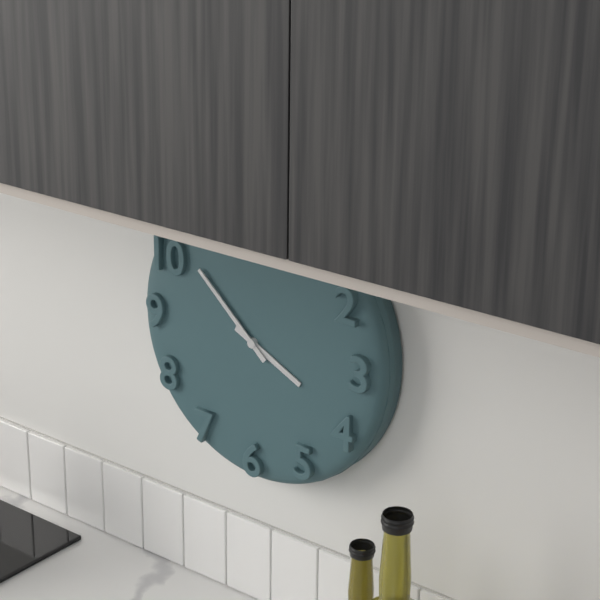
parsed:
3:52
